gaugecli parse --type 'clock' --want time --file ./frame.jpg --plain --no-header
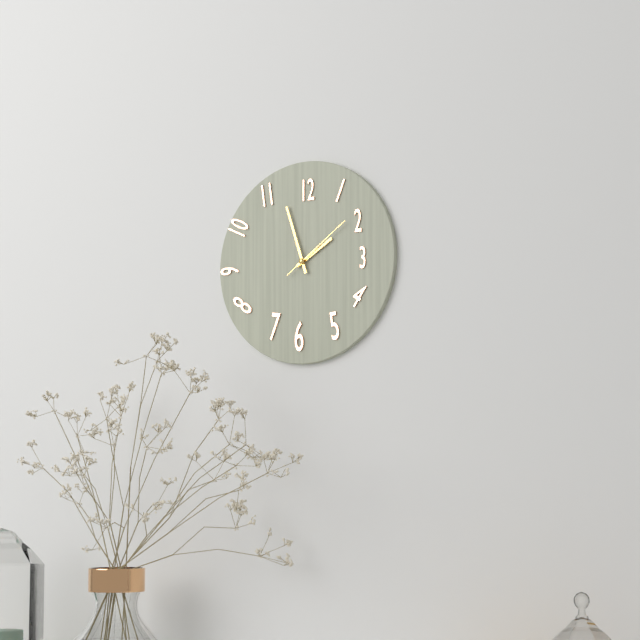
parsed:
1:57:09
